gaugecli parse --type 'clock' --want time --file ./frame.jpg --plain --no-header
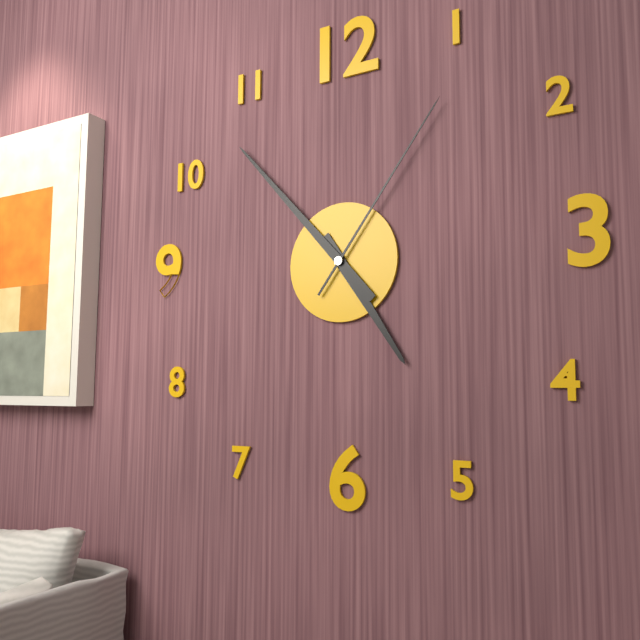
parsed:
4:53:06
